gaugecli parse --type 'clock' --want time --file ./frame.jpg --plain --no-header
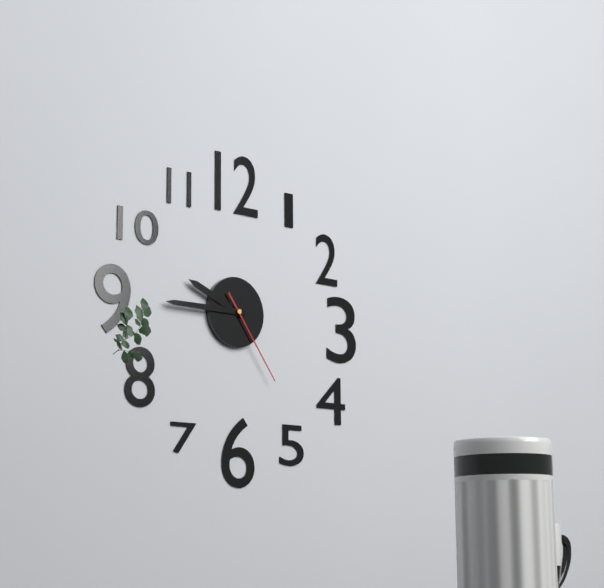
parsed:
9:45:24
